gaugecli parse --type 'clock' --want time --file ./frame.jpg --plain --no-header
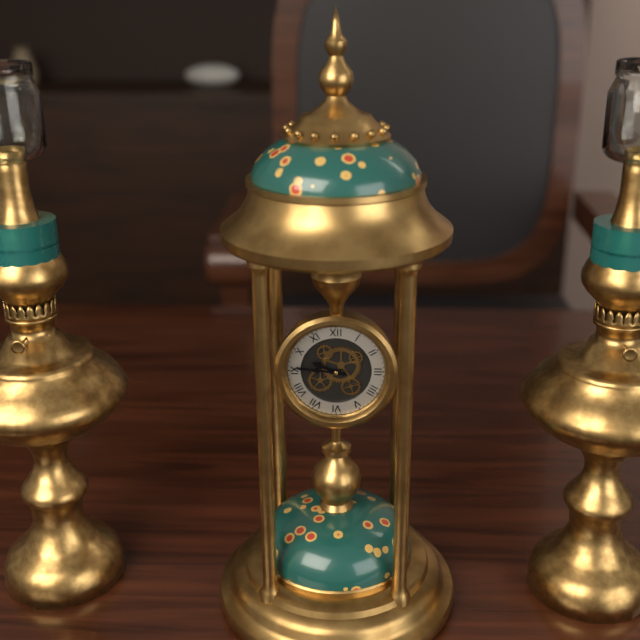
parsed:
9:46
